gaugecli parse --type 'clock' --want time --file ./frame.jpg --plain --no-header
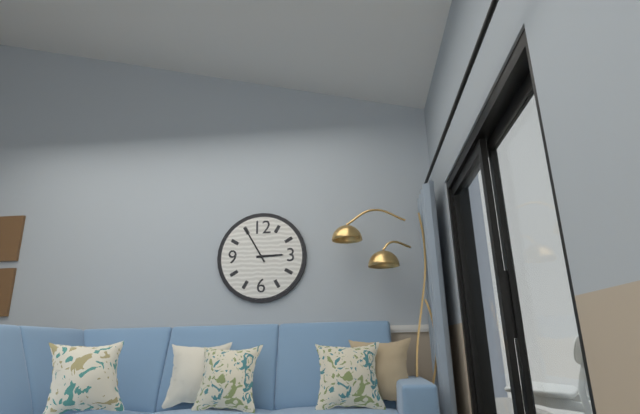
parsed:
2:55
